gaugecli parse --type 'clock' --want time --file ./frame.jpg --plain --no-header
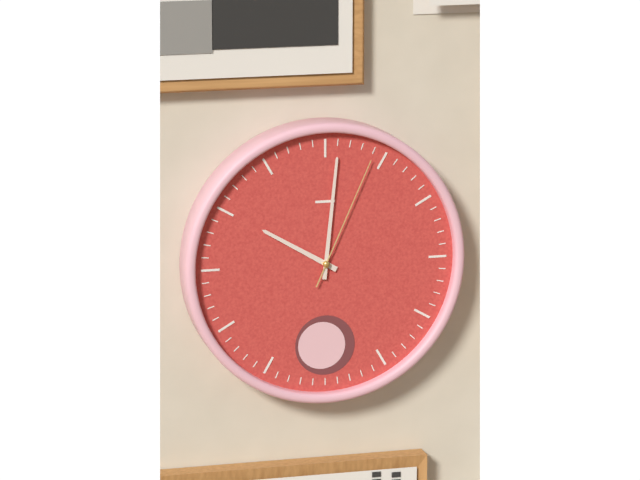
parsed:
10:01:04
